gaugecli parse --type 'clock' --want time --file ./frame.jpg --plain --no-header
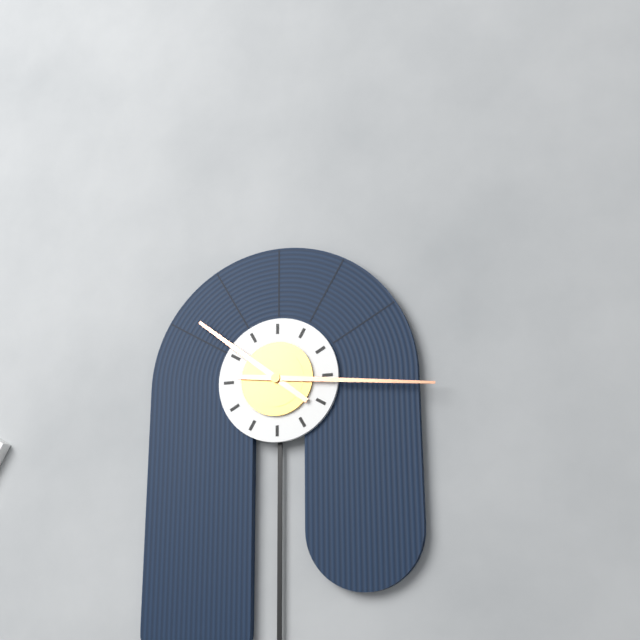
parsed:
10:16
